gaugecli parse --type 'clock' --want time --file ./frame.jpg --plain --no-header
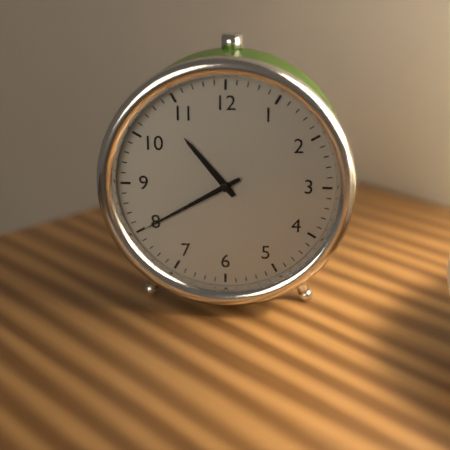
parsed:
10:40
